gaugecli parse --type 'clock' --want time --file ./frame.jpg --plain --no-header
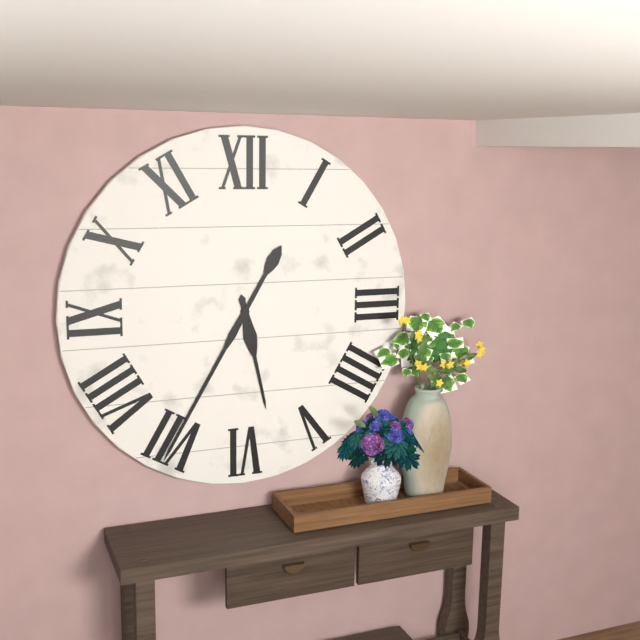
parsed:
5:35
